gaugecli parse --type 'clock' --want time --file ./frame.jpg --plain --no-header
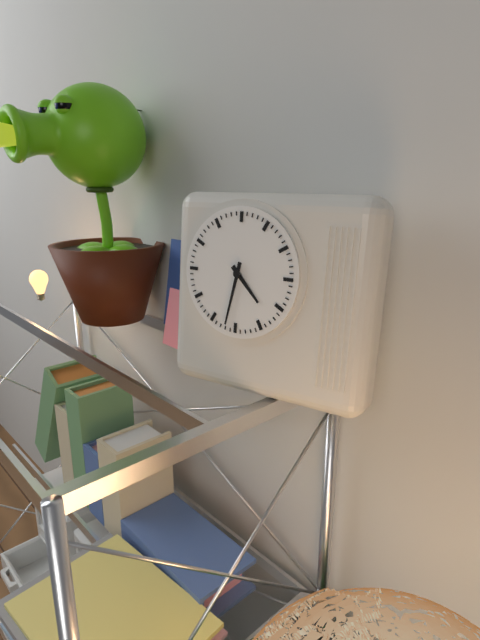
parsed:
4:32
